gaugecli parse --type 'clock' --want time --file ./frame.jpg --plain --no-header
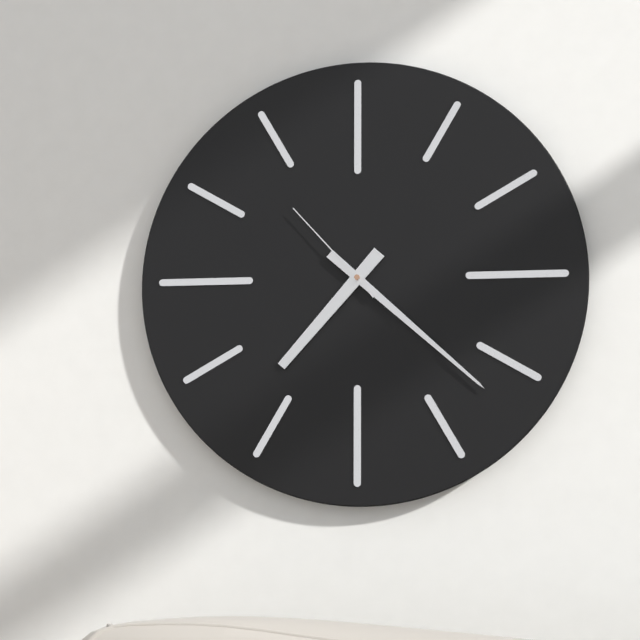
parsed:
7:22:53
